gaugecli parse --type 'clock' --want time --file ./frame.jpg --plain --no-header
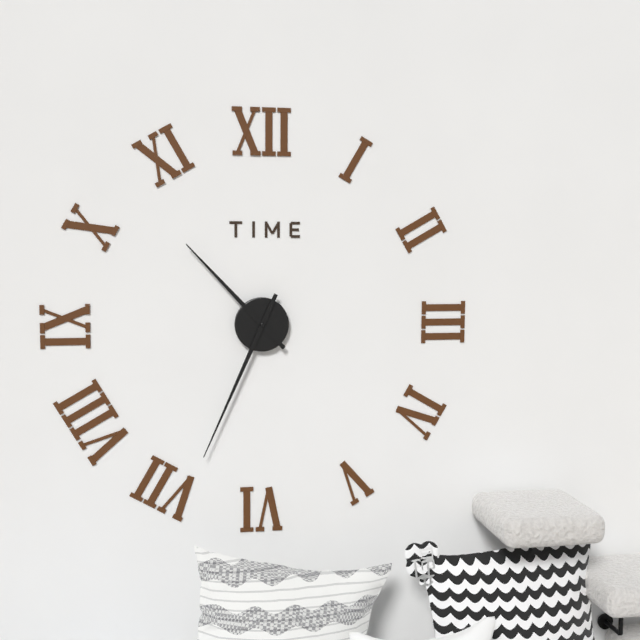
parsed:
10:34
